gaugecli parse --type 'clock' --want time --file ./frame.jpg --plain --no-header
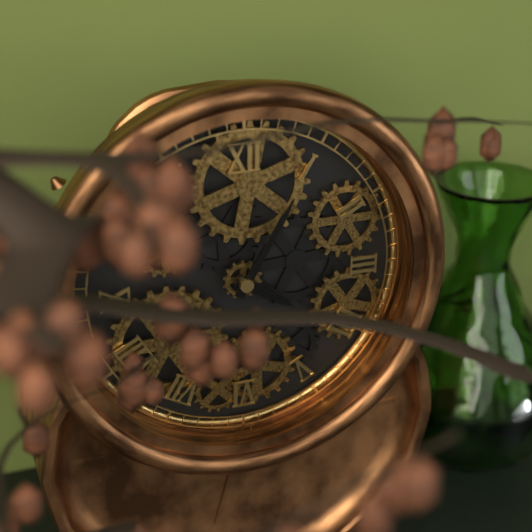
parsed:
4:05
